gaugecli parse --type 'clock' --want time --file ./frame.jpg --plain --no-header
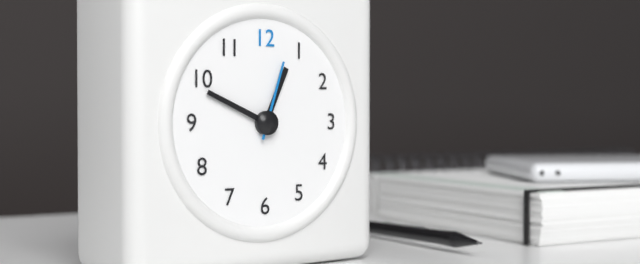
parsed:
12:49:03
